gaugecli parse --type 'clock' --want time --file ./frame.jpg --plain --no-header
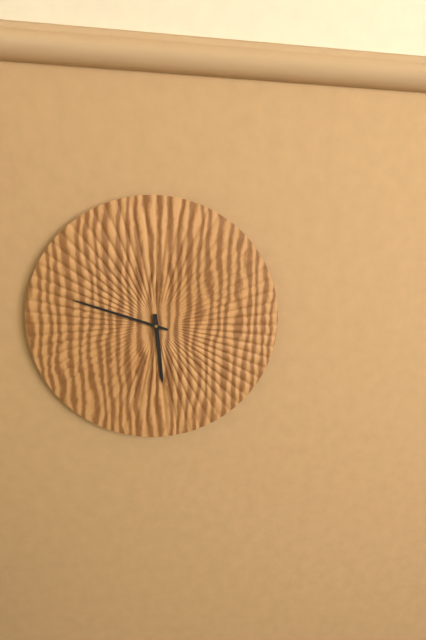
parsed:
5:48
